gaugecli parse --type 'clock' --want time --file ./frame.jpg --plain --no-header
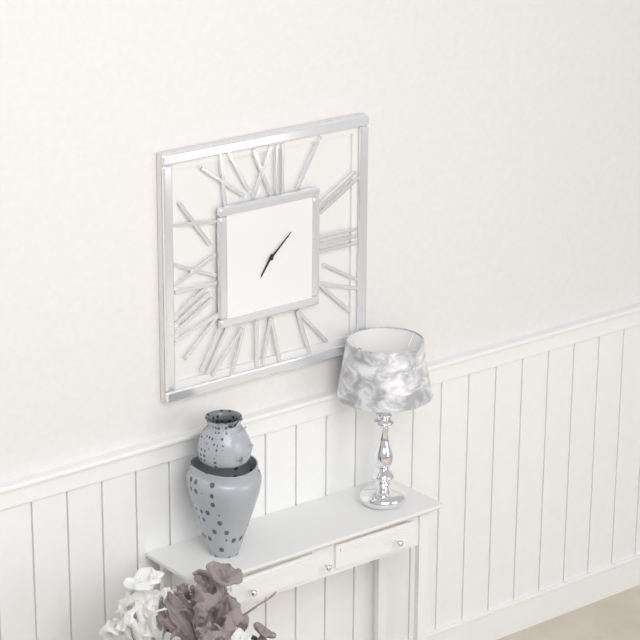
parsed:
7:08
